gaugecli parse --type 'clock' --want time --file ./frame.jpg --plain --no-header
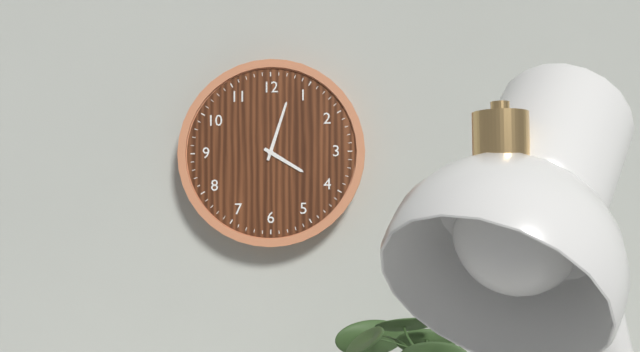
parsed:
4:03
